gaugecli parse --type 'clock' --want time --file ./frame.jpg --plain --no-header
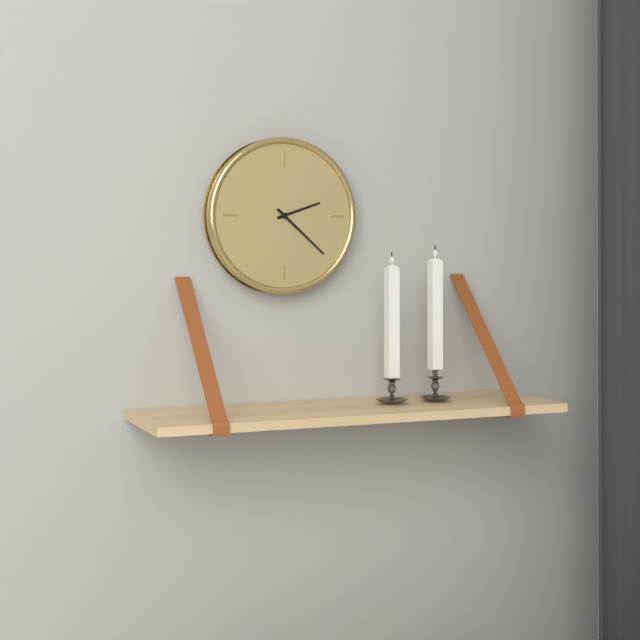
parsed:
2:22
